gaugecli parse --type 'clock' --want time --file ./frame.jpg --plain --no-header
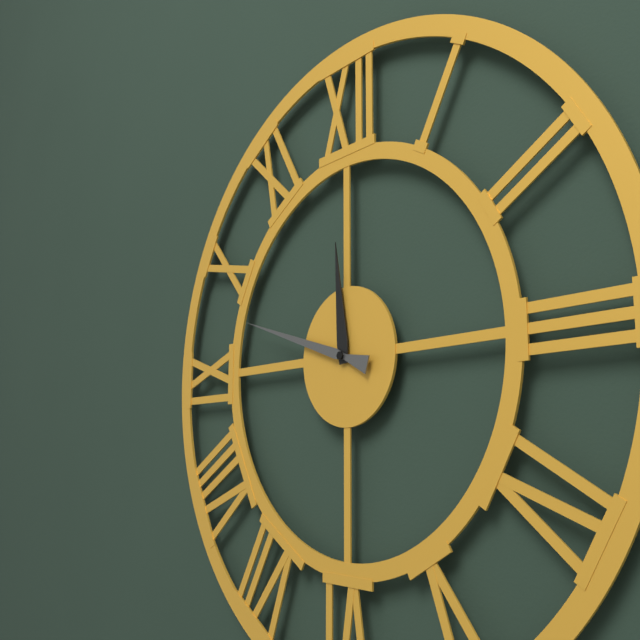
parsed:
11:48
